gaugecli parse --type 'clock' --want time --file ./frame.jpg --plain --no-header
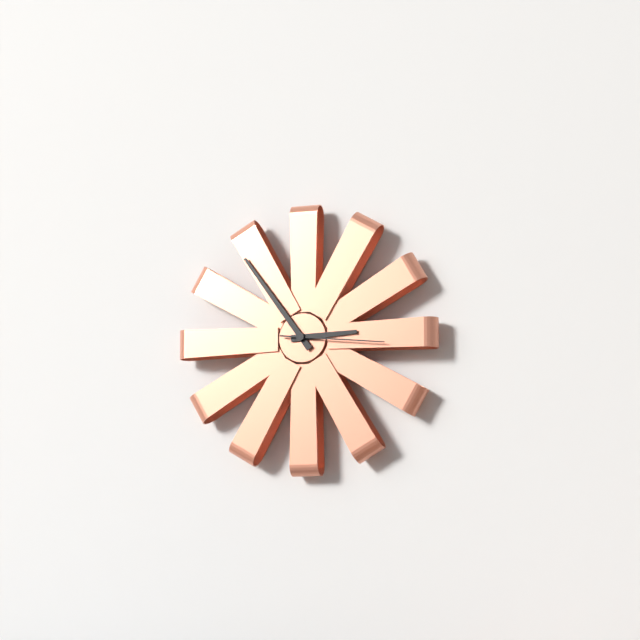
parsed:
2:54:16
